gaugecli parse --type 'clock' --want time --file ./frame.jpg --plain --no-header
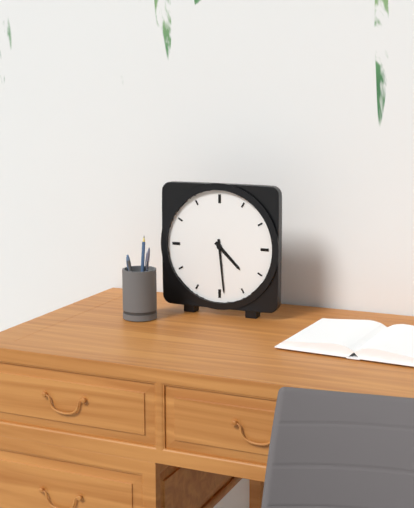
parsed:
4:29
